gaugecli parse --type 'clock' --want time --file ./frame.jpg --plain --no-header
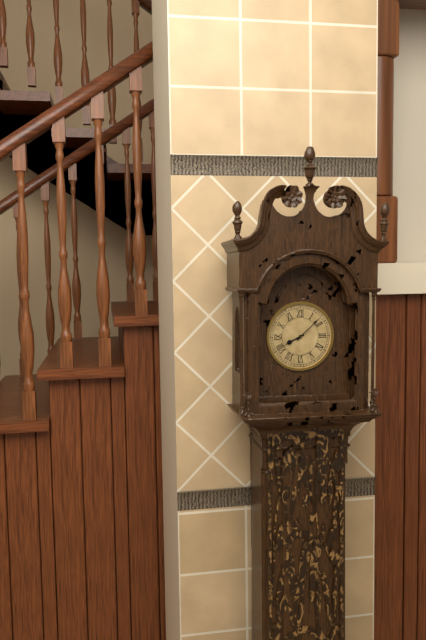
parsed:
8:08
